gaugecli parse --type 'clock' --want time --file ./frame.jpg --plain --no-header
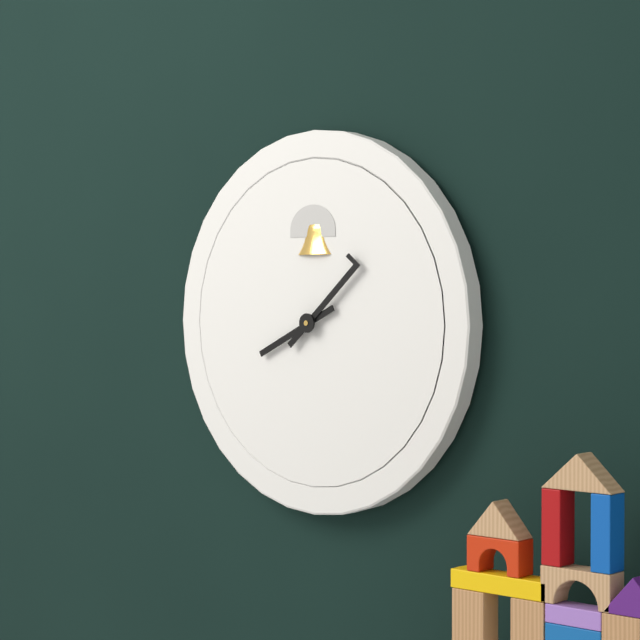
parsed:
8:08
